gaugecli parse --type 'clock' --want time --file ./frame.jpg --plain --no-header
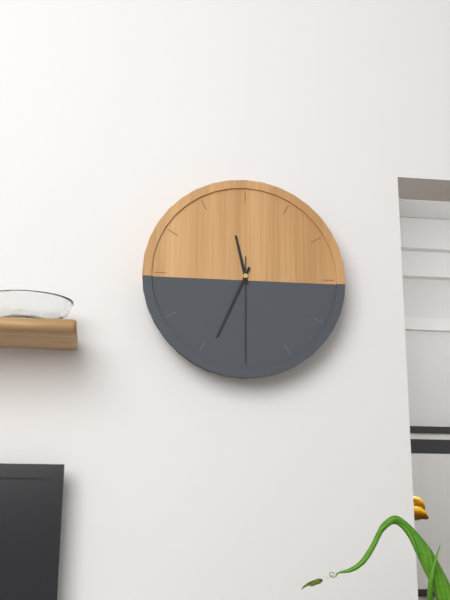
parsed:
11:34:30
